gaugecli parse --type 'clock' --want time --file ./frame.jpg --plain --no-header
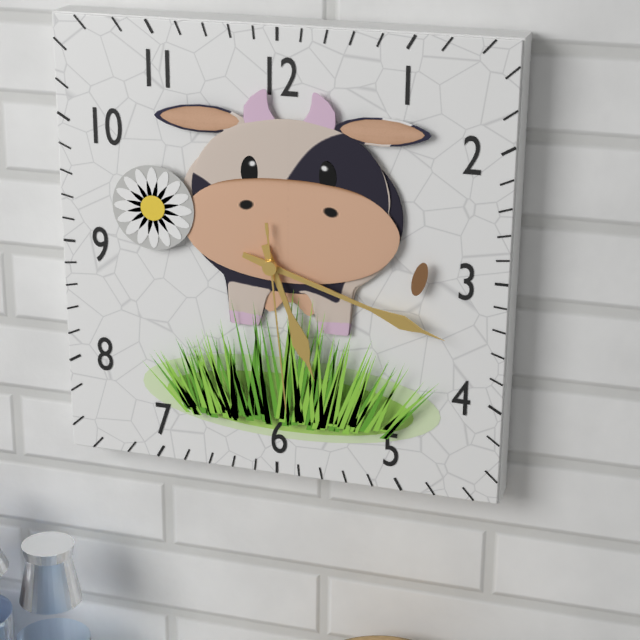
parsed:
5:18:29
